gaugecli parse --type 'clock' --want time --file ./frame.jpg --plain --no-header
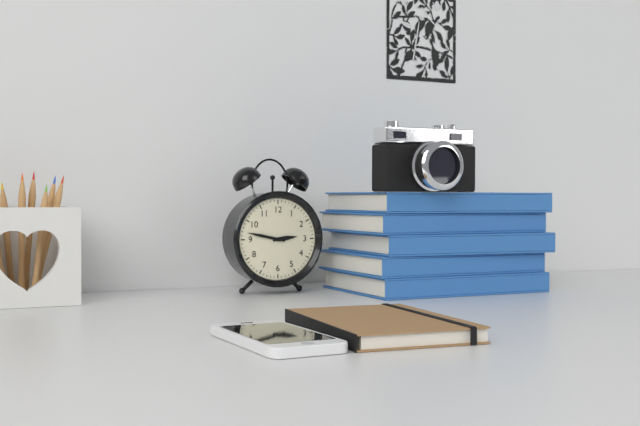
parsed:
2:47
